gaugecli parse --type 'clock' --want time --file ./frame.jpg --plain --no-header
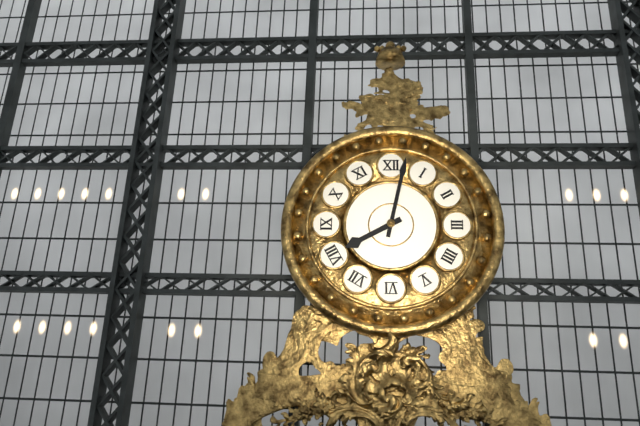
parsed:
8:02
